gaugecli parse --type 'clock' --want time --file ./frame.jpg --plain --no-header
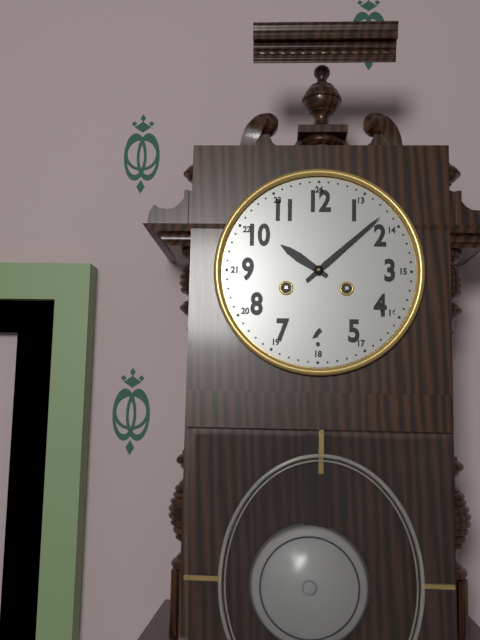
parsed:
10:08
